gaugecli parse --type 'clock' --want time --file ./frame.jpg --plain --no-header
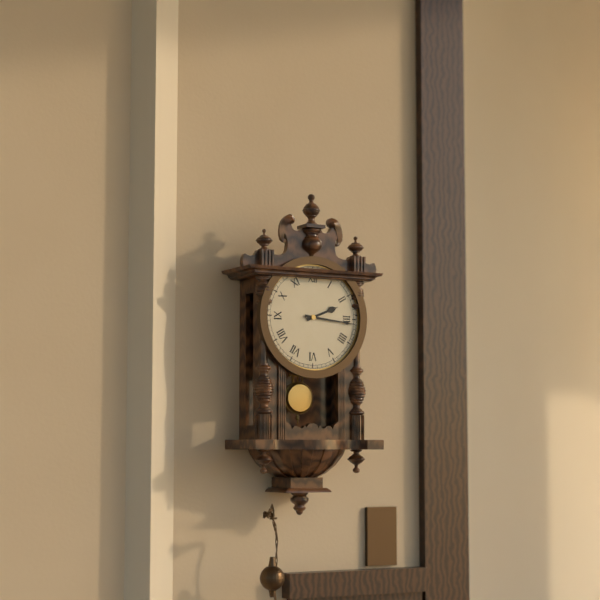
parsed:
2:16
